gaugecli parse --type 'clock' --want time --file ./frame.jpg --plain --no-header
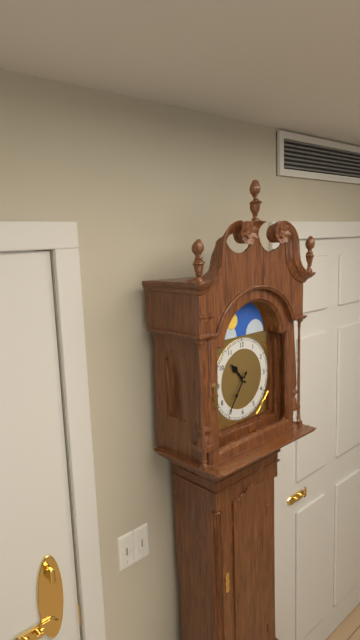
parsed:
10:36
